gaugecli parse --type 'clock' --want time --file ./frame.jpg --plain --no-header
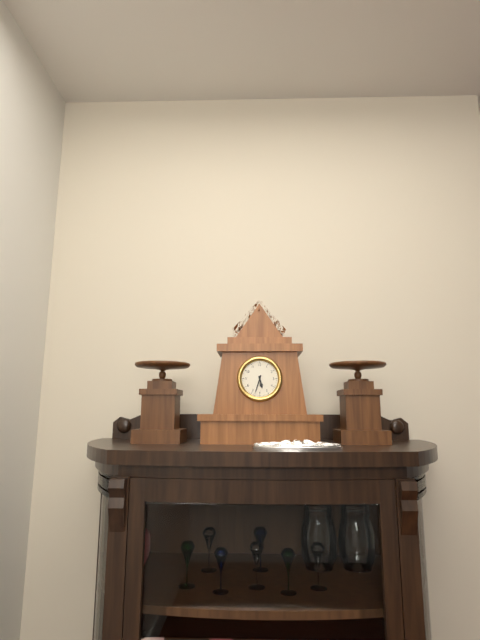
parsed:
5:33
